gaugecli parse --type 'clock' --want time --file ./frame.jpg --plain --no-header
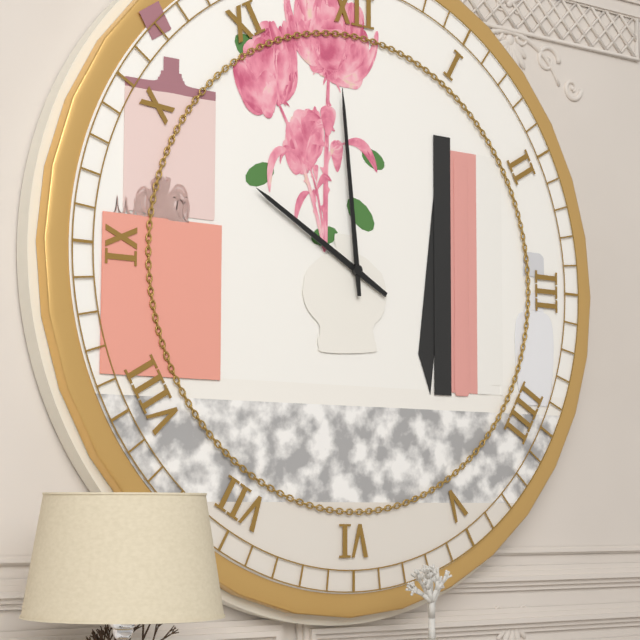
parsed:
9:59
